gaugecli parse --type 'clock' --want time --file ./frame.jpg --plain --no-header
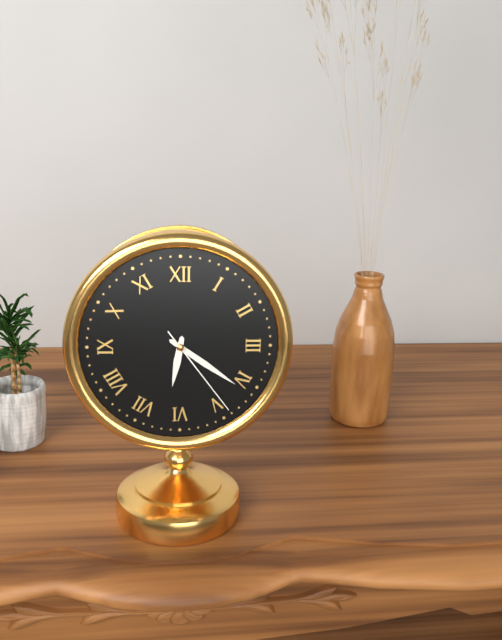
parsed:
6:21:24
